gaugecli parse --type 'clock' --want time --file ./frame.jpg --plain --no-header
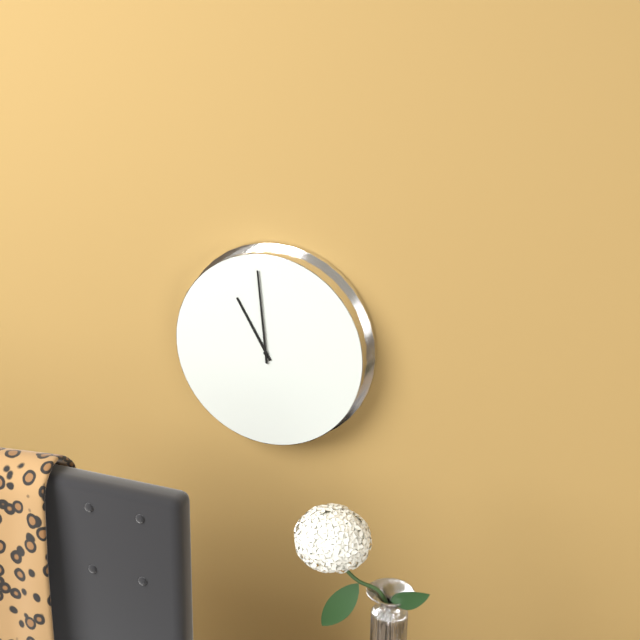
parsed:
10:59
